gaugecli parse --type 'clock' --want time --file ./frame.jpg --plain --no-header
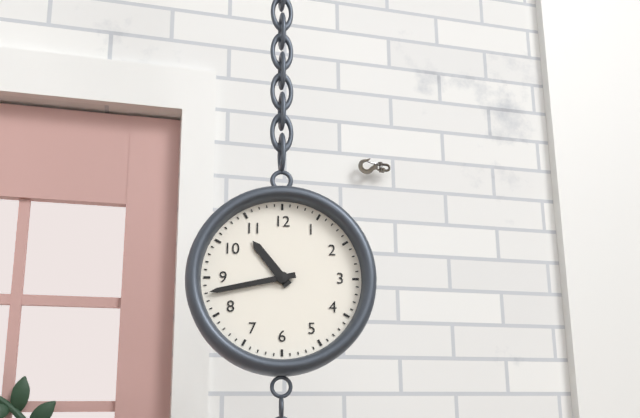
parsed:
10:43
